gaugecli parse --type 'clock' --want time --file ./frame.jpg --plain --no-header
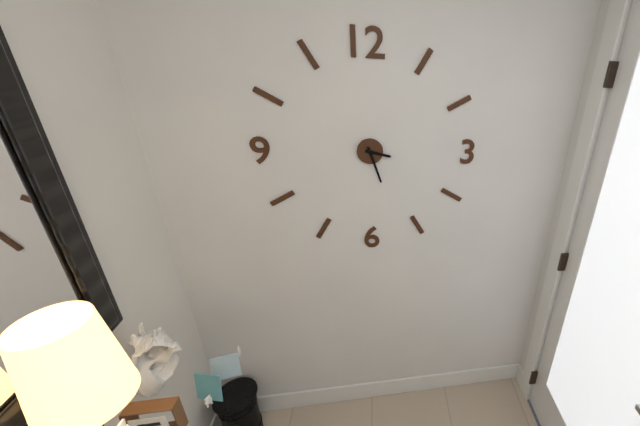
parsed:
3:27
